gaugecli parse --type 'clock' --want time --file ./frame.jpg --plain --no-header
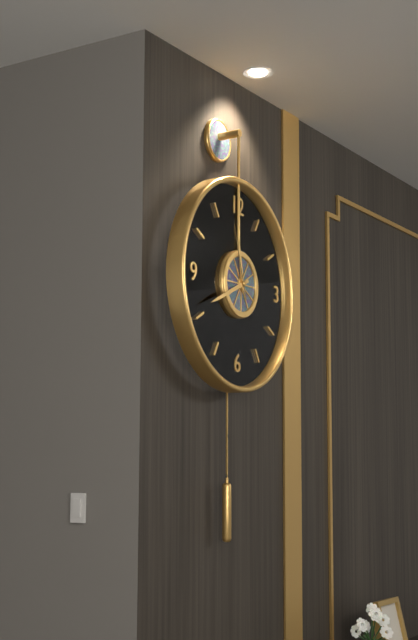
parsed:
11:41:57
